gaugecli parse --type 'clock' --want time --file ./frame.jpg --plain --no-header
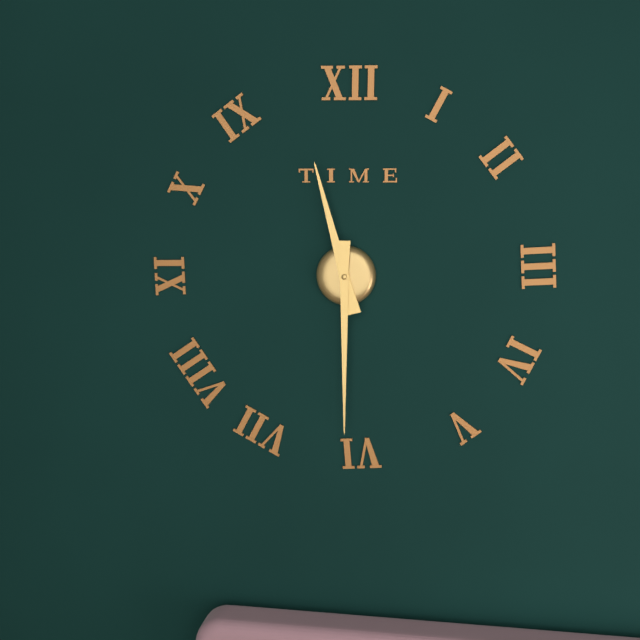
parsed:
11:30
